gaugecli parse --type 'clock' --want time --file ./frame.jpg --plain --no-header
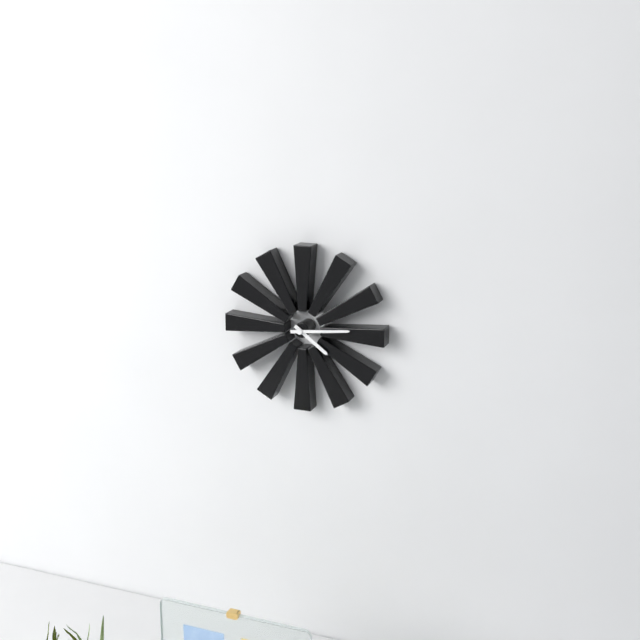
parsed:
4:14
